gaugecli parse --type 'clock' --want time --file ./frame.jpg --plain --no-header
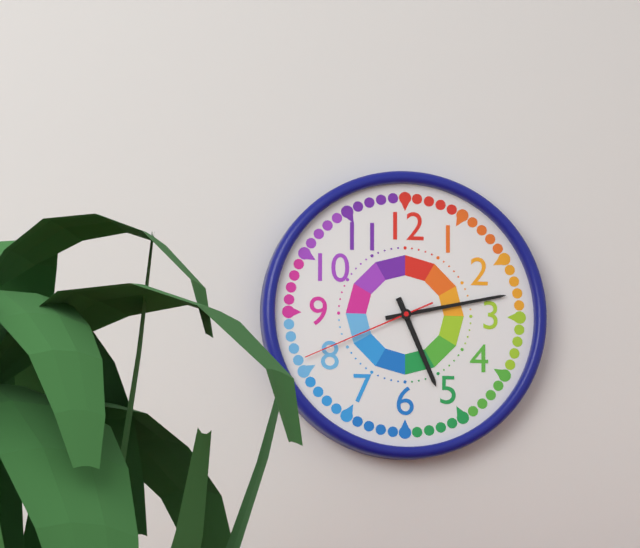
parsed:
5:13:41
